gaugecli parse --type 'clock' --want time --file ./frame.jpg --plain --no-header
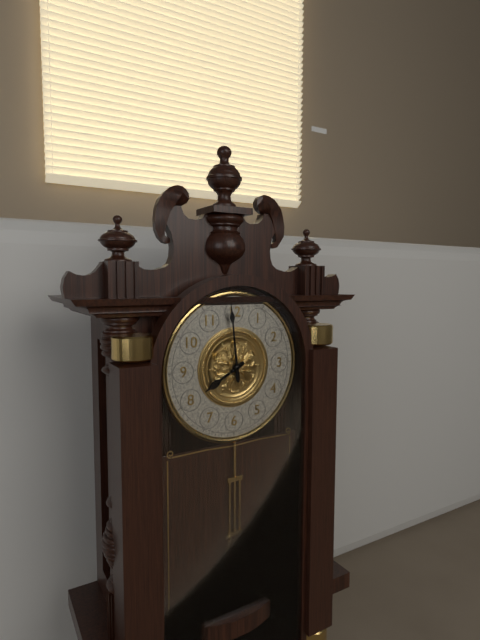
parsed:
7:59
